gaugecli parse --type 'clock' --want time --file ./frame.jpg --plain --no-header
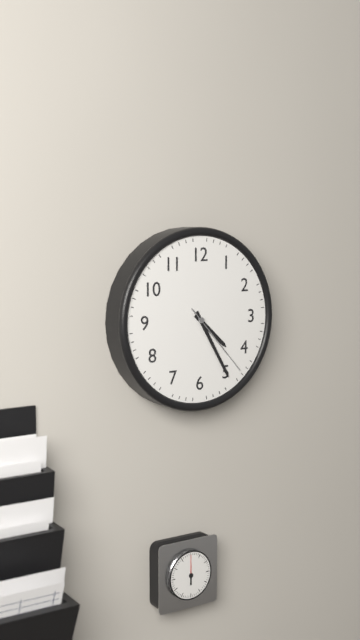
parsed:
4:25:23
